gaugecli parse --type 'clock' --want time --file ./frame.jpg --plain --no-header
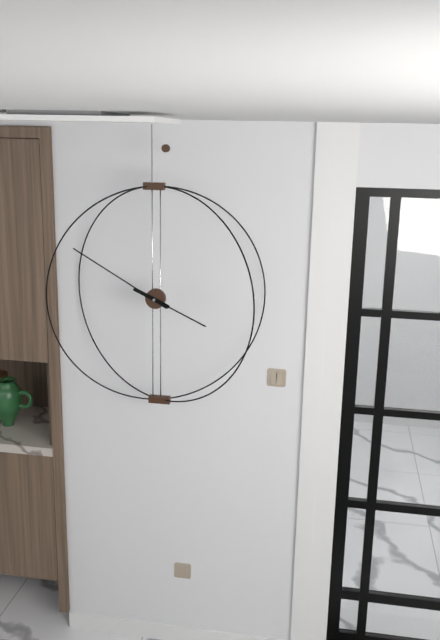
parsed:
3:50
